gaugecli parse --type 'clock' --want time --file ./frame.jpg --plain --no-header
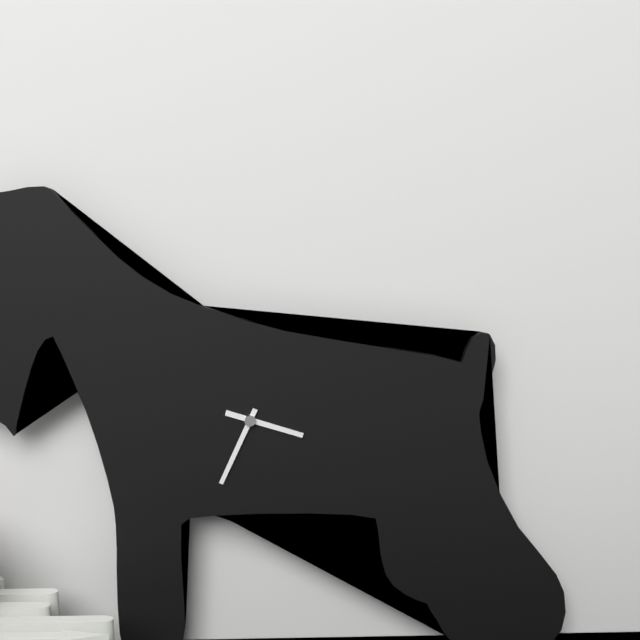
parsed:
3:34
